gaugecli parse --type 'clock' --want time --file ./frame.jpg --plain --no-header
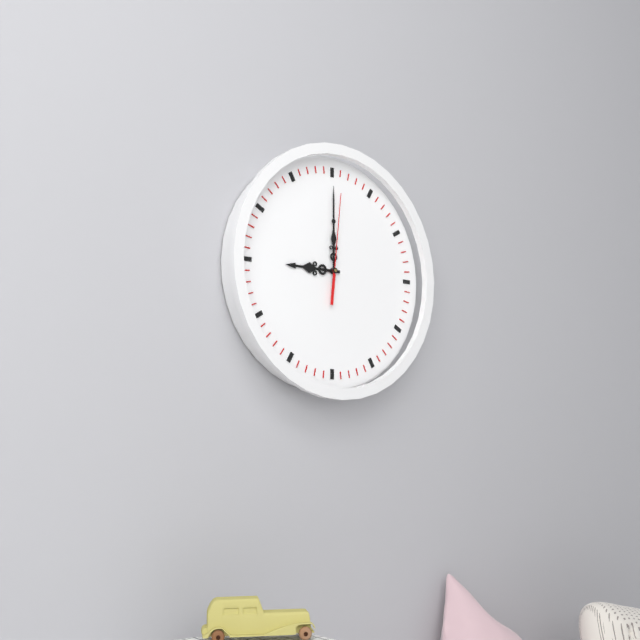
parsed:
9:00:01
